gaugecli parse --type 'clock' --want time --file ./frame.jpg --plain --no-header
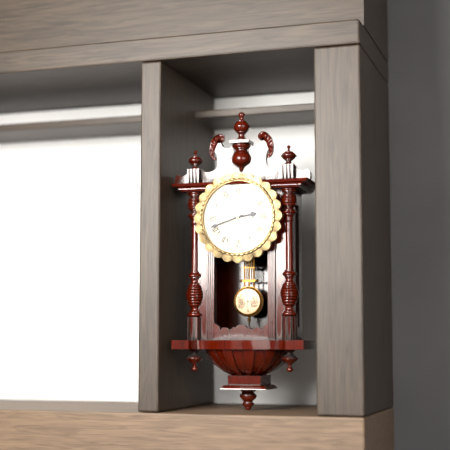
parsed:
2:42
